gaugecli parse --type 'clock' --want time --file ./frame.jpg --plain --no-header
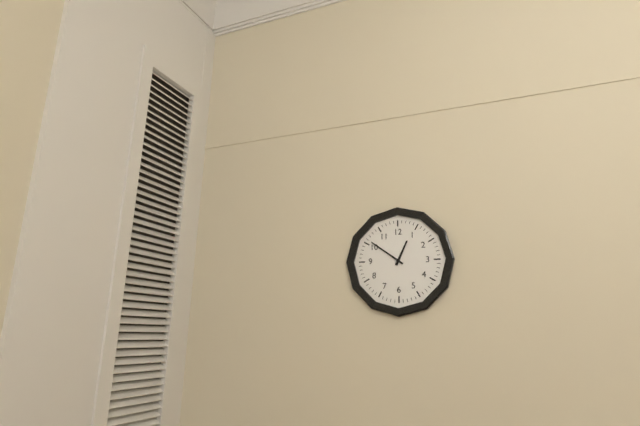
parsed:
12:51
